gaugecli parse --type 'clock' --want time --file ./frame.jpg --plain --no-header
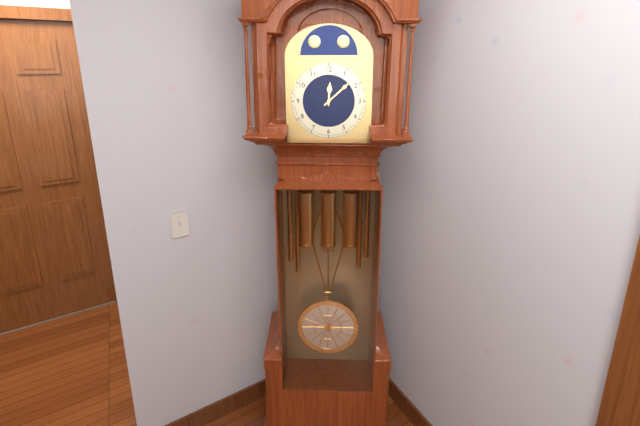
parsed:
12:08
